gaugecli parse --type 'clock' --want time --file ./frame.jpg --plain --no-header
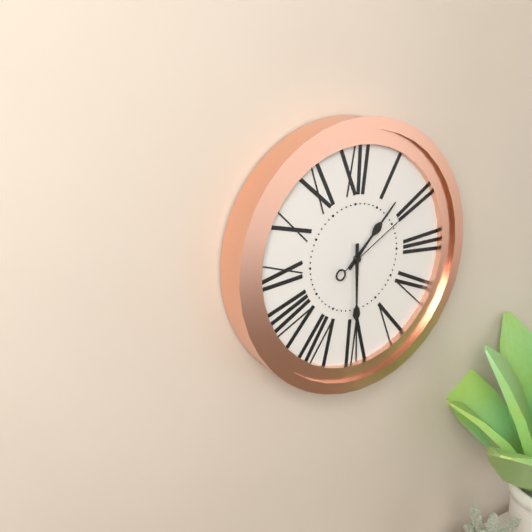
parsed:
1:30:10
